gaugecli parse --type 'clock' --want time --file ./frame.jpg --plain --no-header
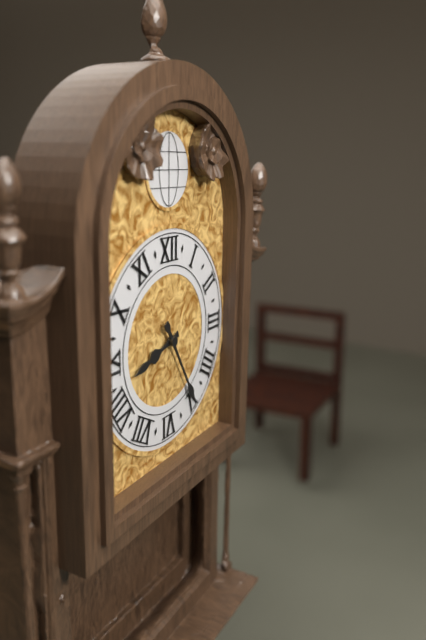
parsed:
8:25
